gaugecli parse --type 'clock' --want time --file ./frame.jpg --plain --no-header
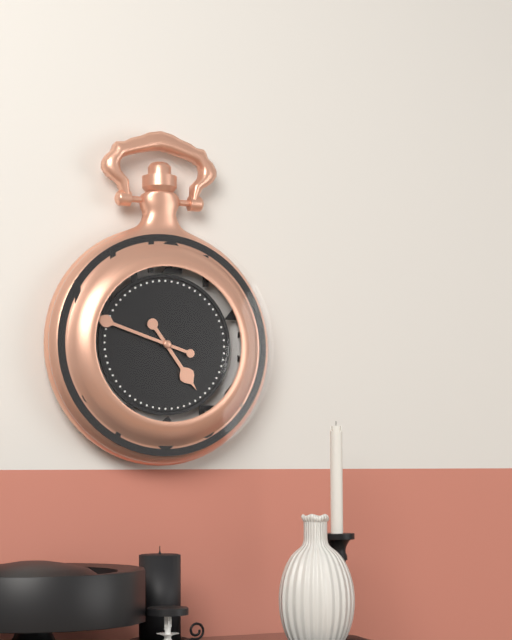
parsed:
4:48
